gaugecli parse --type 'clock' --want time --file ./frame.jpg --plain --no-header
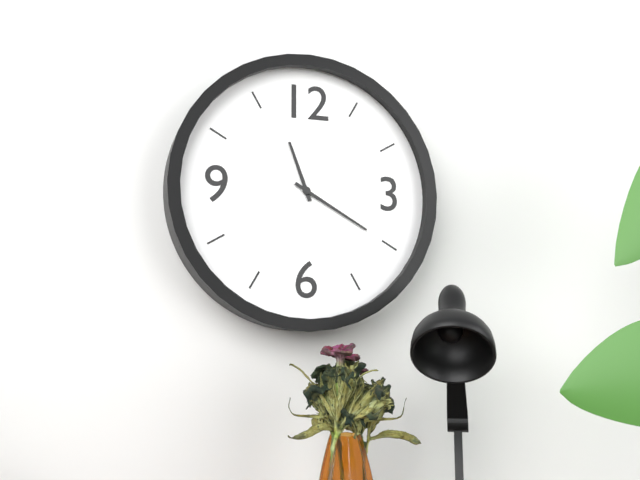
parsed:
11:20
